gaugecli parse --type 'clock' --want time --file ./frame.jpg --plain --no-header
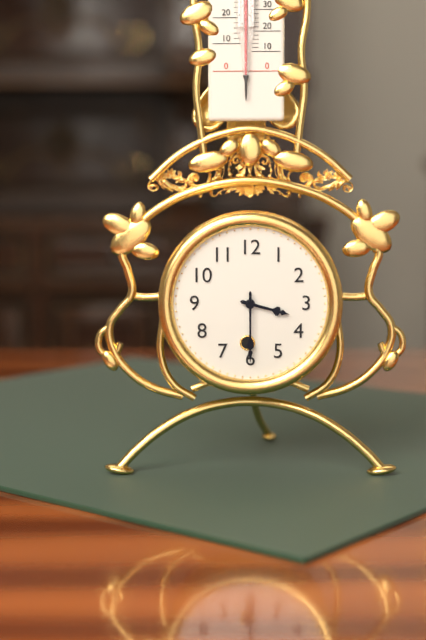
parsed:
3:30
